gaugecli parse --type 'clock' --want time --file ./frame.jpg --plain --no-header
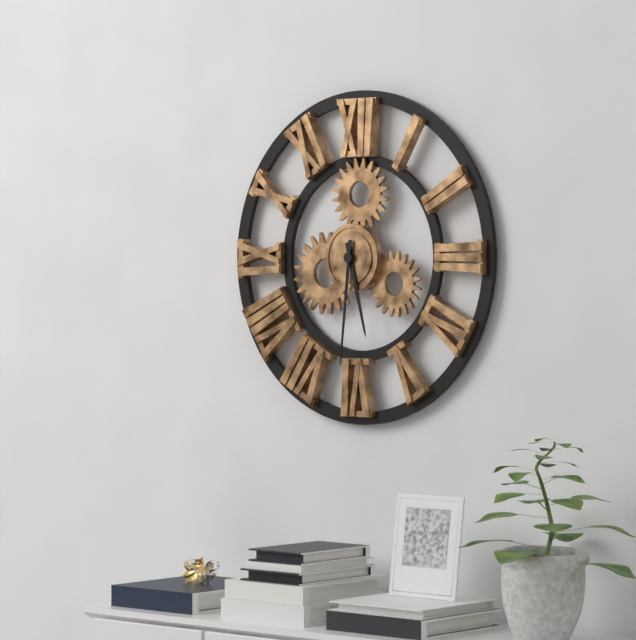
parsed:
5:31
